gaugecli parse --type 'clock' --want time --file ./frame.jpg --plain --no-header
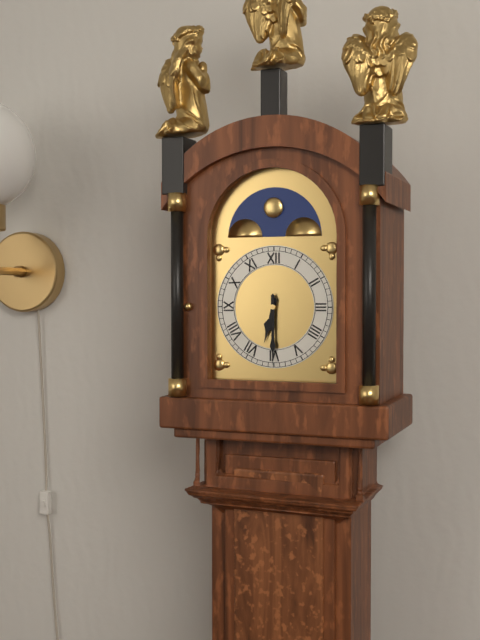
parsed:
6:30
